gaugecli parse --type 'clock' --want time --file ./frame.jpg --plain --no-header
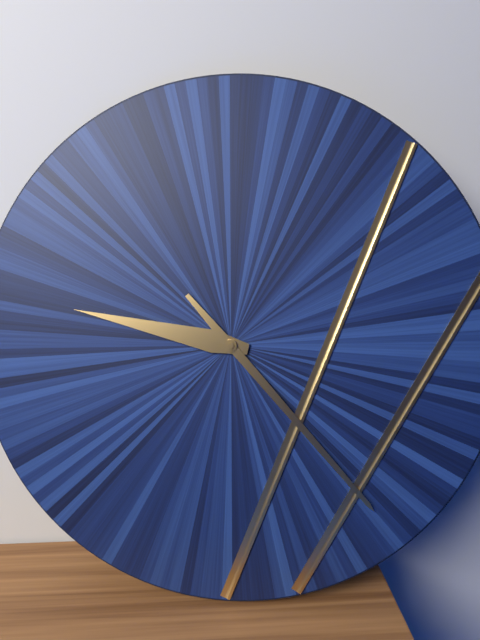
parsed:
9:23
